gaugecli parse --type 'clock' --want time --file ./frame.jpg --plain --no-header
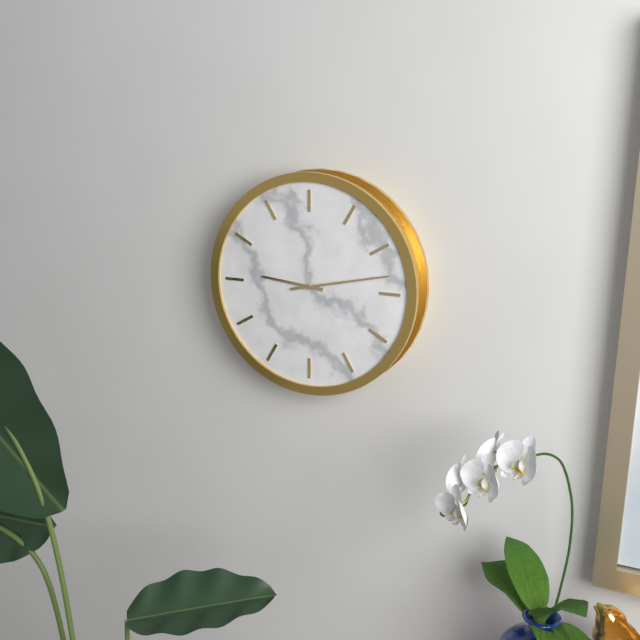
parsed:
9:13
